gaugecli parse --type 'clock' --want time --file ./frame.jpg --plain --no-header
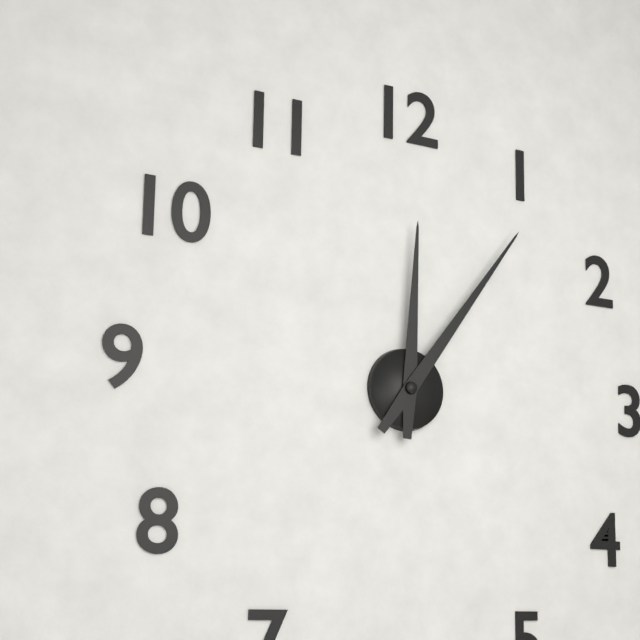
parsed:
12:06
